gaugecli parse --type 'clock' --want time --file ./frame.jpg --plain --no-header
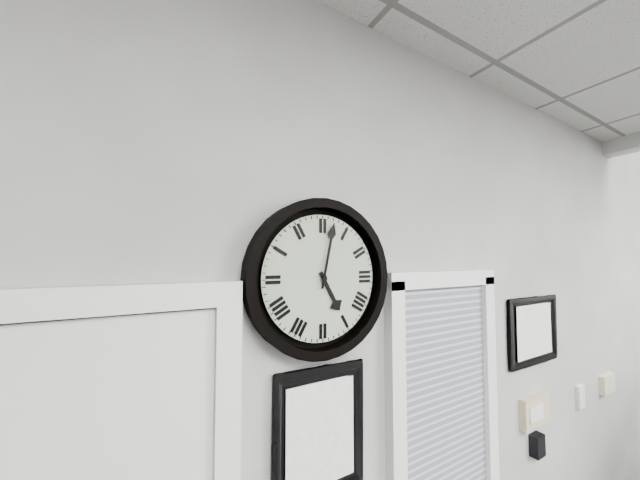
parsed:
5:02
